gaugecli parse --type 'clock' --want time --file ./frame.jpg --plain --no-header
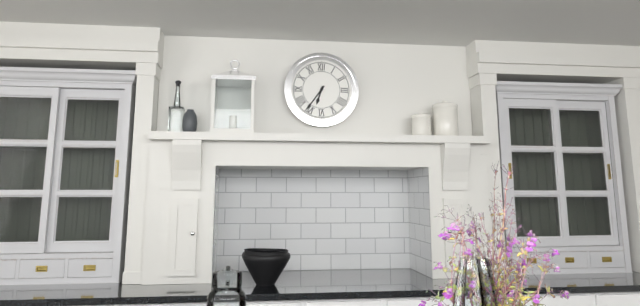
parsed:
6:36
